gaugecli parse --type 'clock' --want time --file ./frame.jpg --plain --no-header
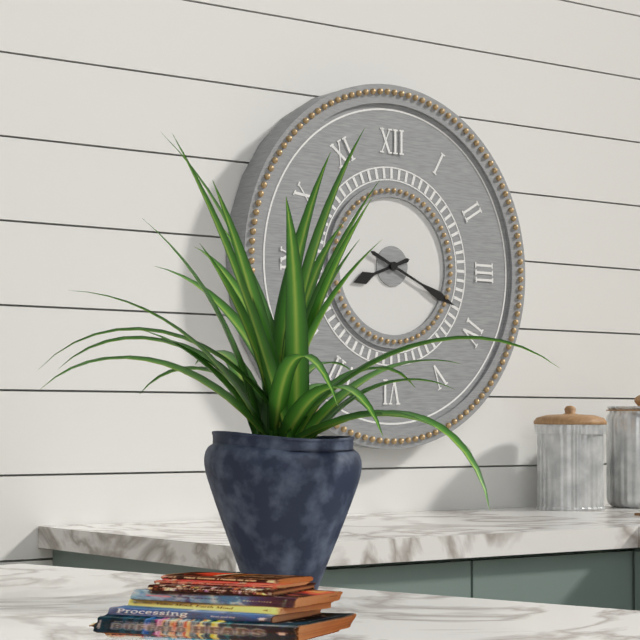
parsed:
8:19
